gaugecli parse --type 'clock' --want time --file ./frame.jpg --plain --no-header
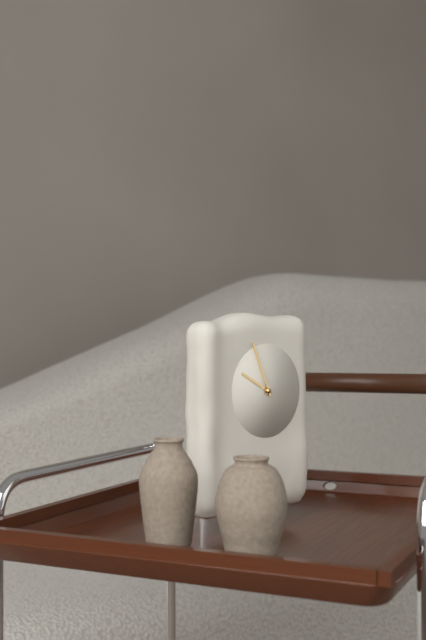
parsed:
9:56
